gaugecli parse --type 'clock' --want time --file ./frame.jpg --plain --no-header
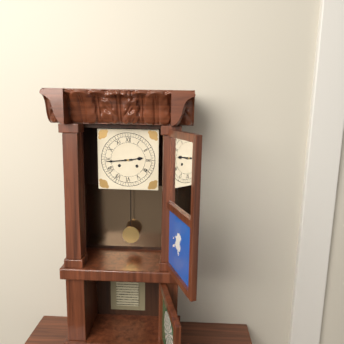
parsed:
2:44
